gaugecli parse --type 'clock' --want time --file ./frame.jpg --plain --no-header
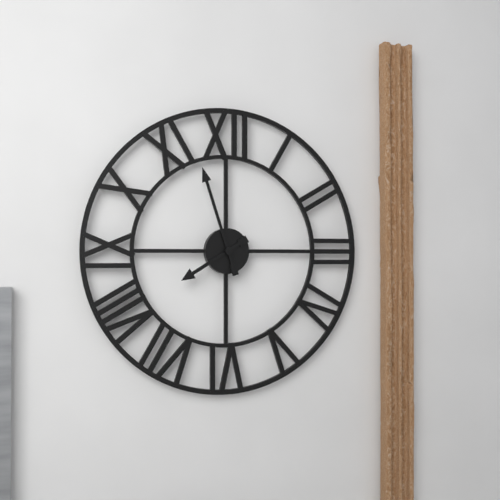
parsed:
7:57
